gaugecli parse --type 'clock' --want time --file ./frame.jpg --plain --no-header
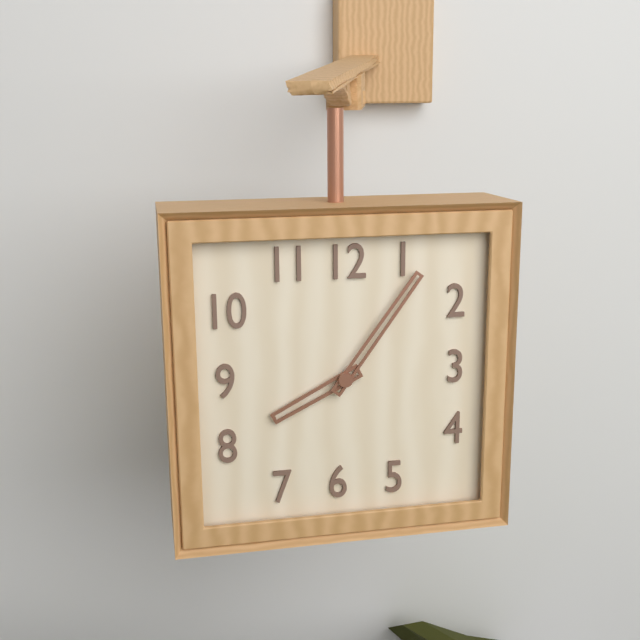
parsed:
8:06
